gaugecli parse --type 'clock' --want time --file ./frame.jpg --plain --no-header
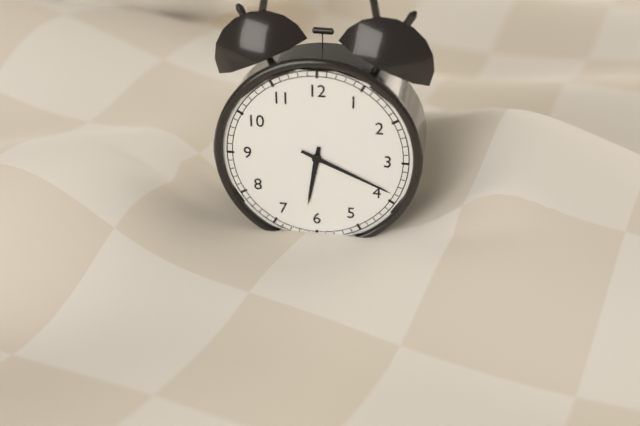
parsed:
6:19
